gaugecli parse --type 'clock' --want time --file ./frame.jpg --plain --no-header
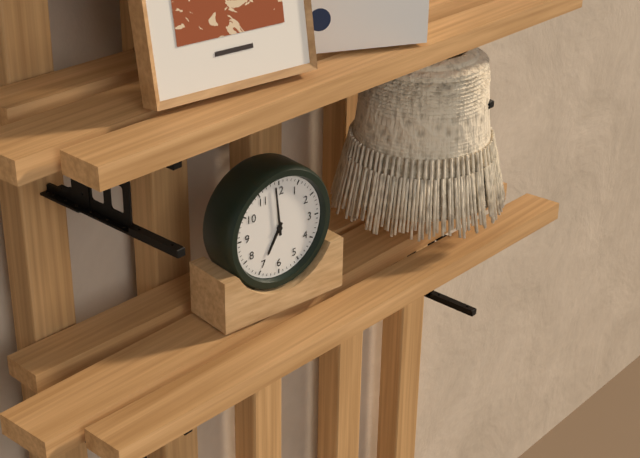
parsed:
6:59
